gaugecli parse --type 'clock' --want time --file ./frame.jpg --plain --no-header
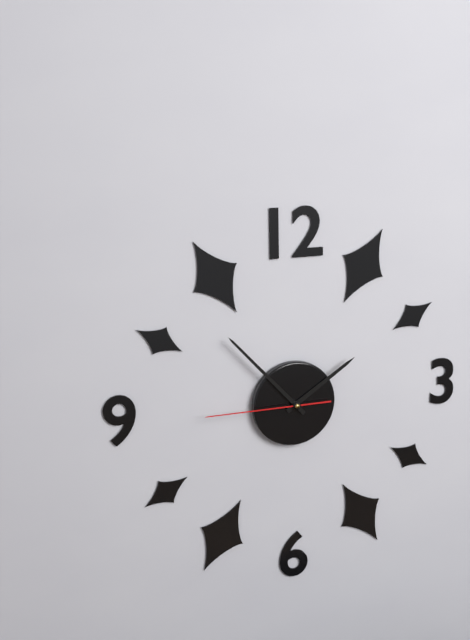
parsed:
1:53:45
